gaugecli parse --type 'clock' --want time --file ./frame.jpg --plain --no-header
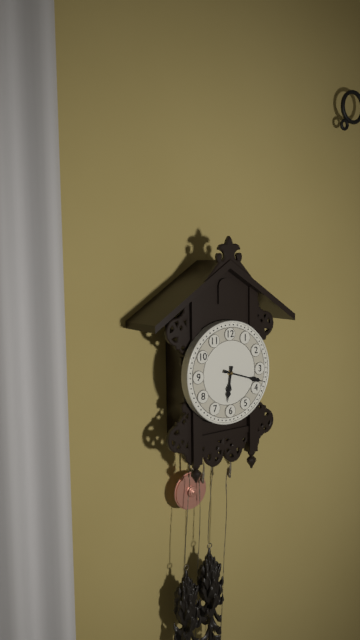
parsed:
6:18
